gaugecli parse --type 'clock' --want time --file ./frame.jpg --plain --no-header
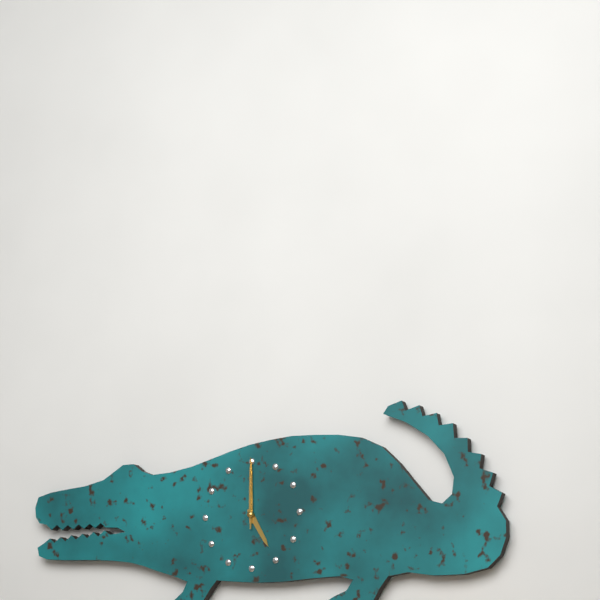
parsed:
5:00:00
